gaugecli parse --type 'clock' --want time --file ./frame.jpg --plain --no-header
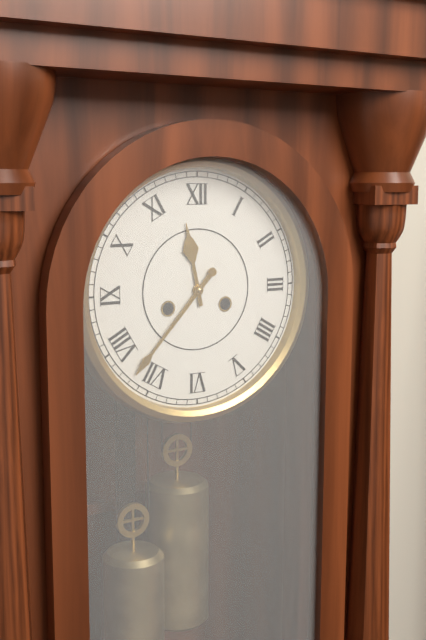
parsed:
11:37
